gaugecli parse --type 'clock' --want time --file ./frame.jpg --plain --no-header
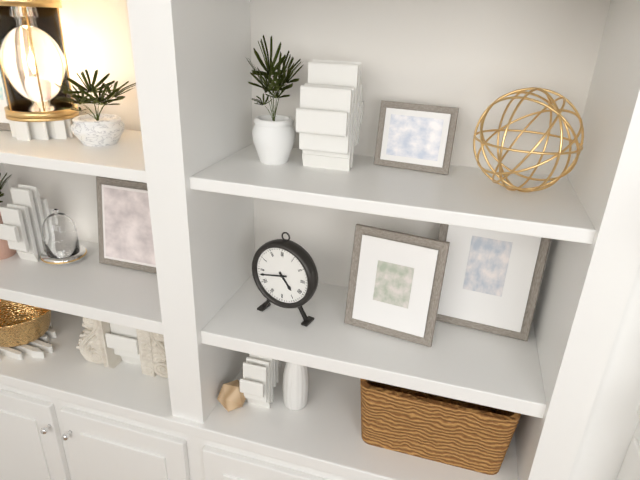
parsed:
4:43
